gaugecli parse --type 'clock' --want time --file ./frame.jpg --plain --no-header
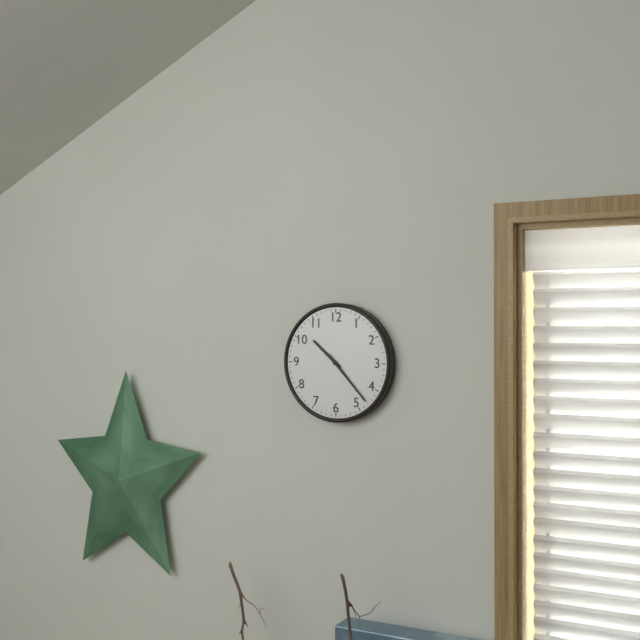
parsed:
10:23
